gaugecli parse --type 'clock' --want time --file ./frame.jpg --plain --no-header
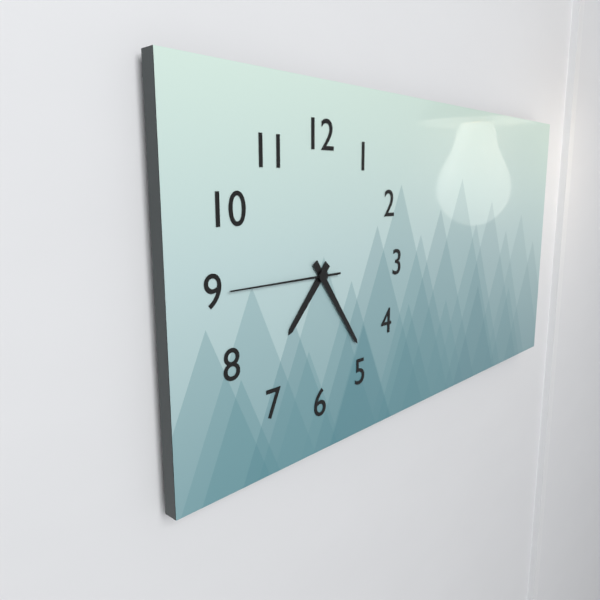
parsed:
7:24:45
